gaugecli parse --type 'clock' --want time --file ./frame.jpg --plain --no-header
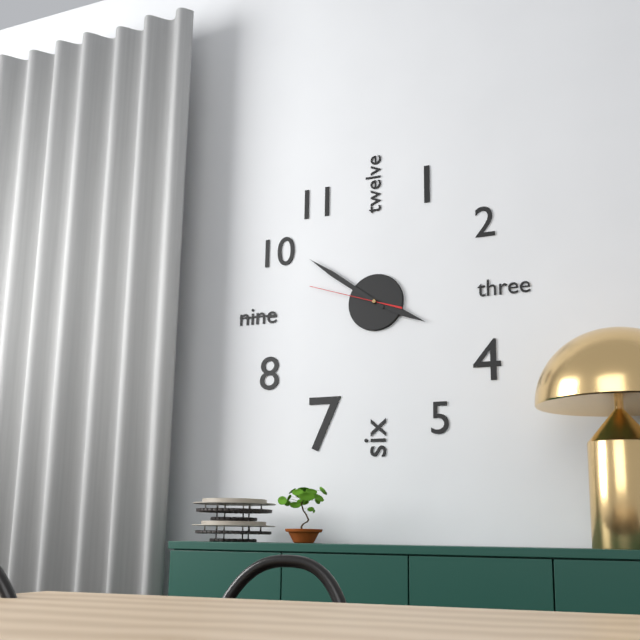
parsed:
3:51:48
